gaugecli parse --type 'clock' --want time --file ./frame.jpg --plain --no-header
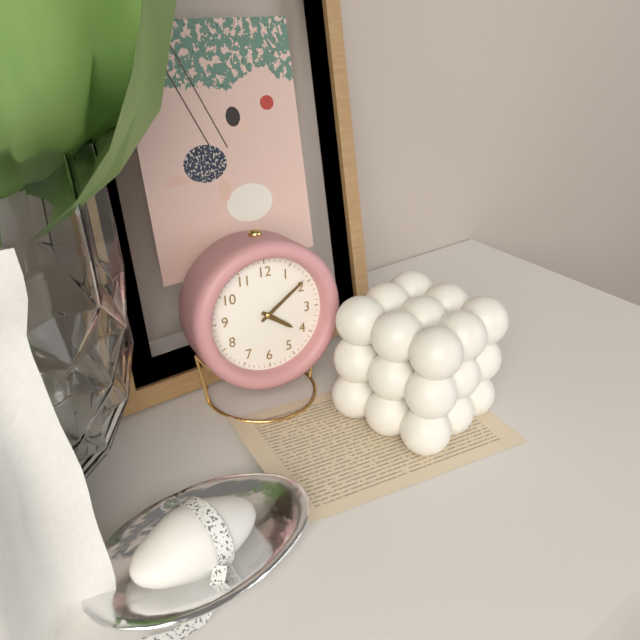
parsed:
4:09
